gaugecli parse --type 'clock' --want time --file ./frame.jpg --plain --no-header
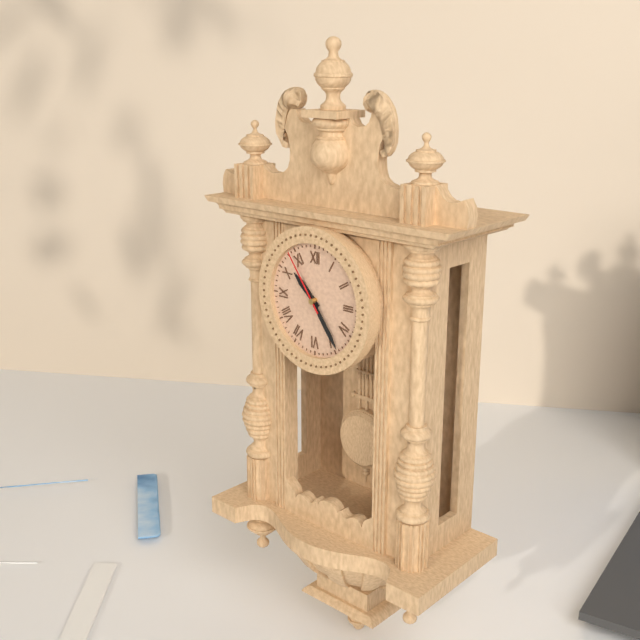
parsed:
10:24:54
